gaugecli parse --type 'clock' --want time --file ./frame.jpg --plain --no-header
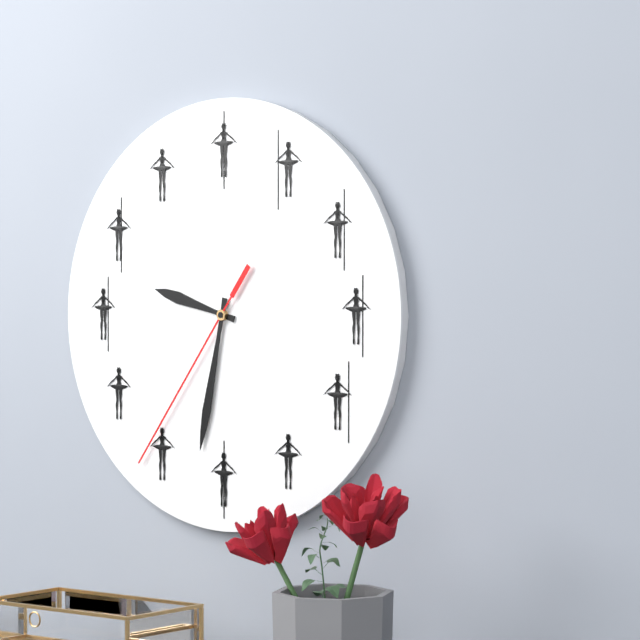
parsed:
9:32:36
